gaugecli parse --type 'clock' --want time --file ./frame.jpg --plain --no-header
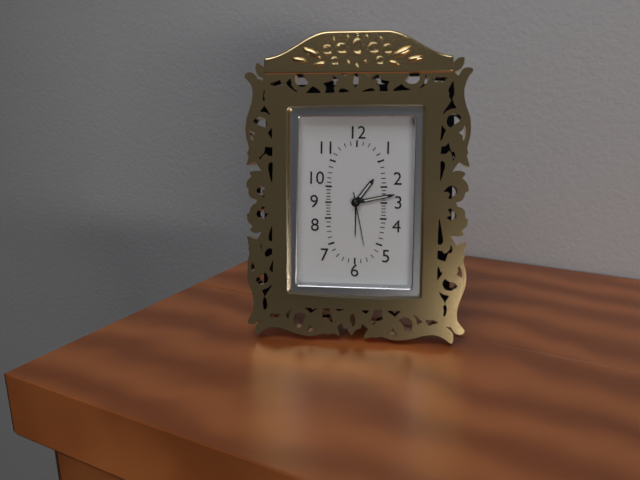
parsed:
1:13:28
